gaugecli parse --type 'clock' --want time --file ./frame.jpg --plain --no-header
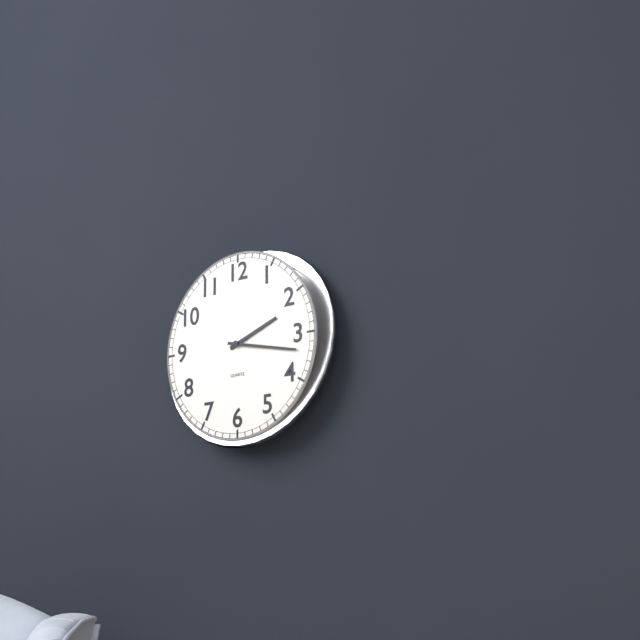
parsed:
2:17
